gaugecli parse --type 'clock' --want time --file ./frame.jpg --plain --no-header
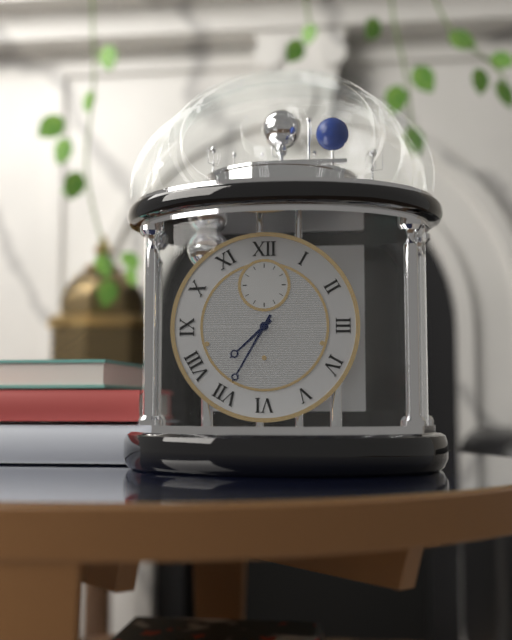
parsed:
7:35
